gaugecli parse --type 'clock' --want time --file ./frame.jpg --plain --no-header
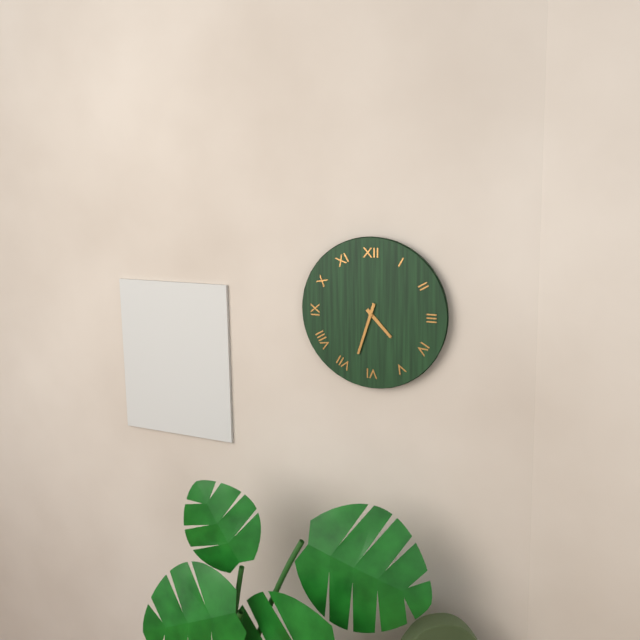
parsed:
4:33
